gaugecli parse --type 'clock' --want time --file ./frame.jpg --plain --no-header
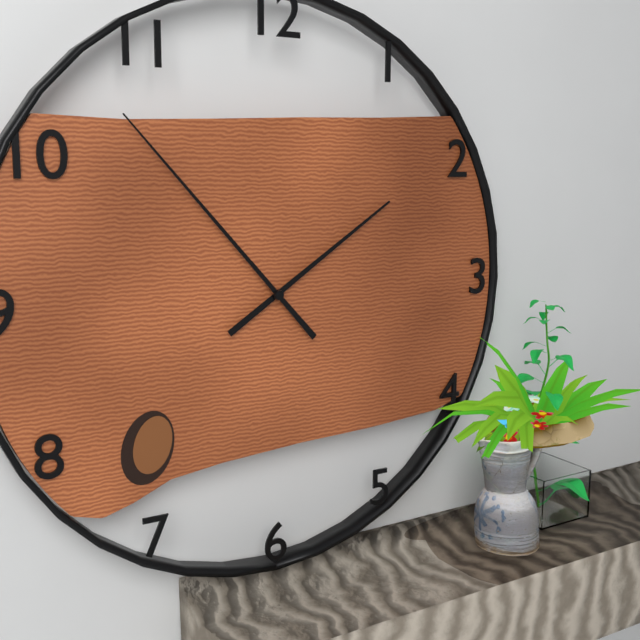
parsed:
1:53
